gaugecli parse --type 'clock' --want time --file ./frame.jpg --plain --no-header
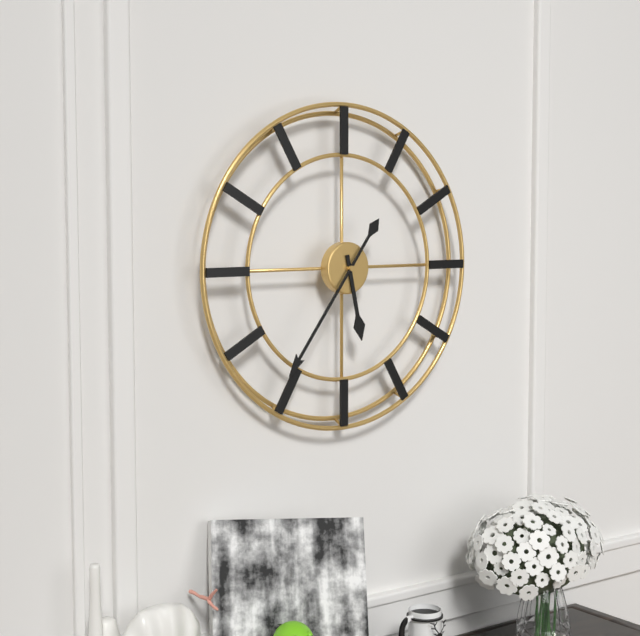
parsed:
5:36
